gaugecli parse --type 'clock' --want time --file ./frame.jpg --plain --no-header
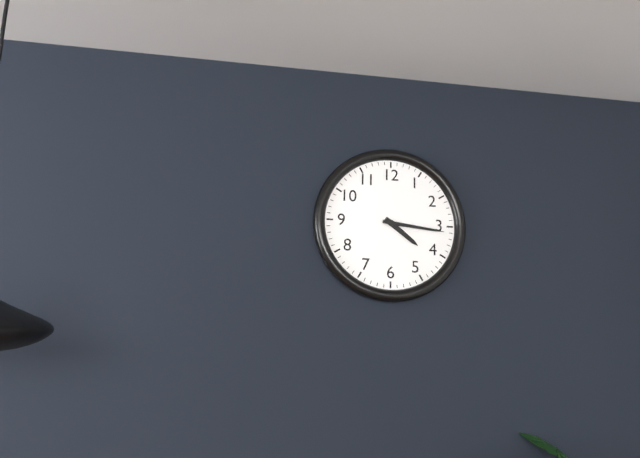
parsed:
4:16
